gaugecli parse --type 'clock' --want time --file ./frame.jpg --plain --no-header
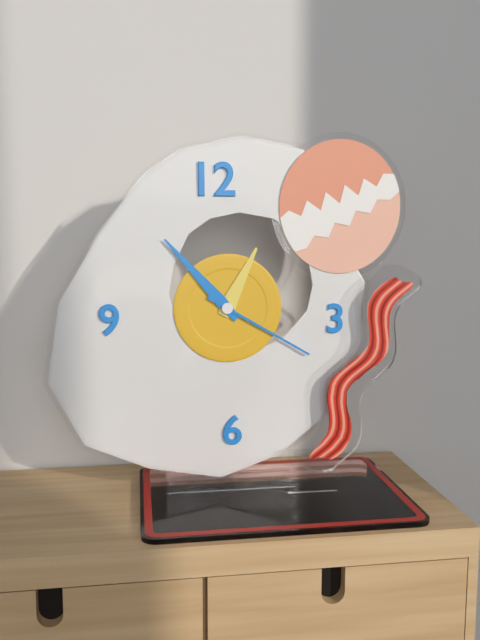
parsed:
12:53:20
